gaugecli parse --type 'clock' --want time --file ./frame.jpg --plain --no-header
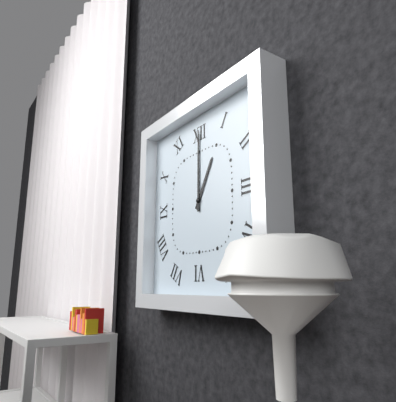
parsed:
1:00
